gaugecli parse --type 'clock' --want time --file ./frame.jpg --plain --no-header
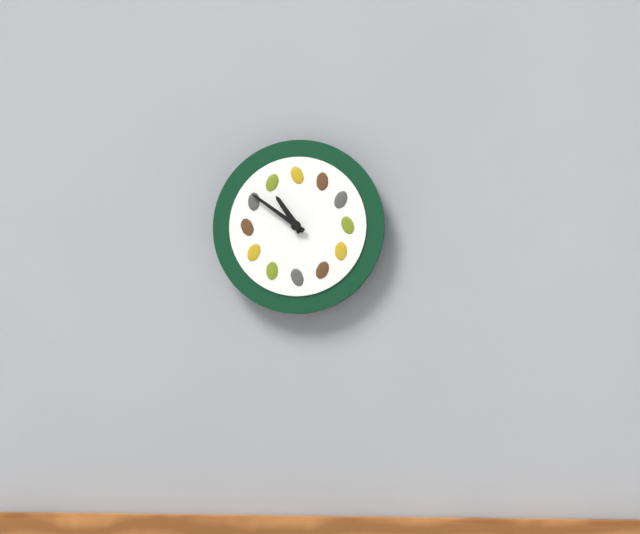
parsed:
10:51
